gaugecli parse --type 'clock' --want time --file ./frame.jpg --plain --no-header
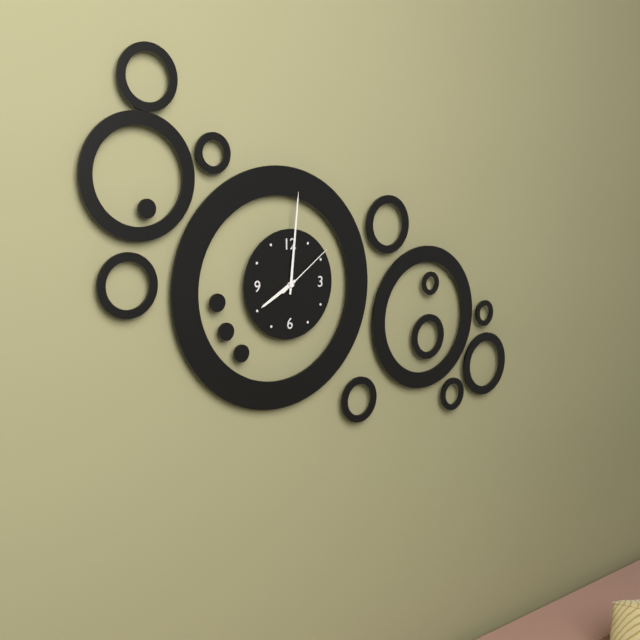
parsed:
8:01:09
